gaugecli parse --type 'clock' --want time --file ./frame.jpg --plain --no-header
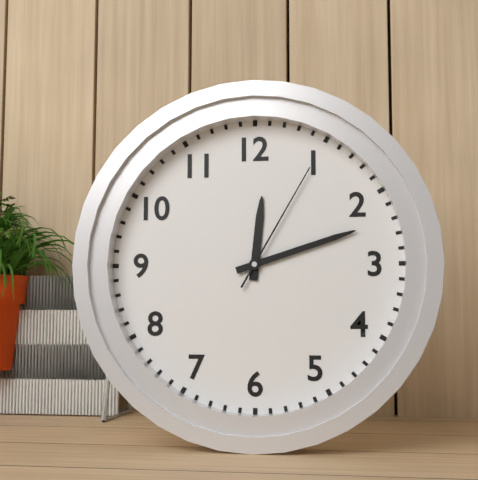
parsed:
12:12:05
